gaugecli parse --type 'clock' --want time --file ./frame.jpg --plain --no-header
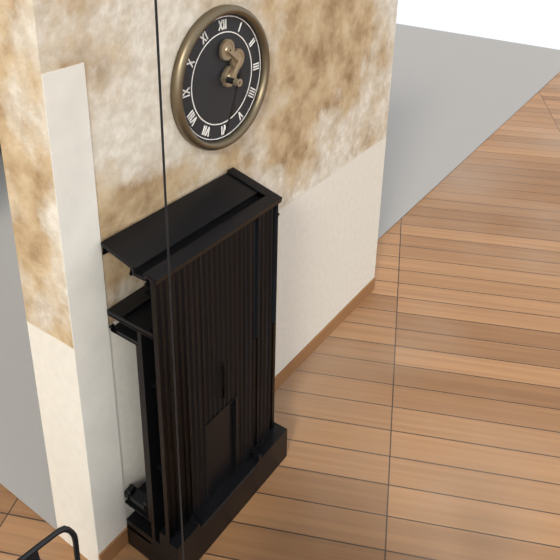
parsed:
6:34
